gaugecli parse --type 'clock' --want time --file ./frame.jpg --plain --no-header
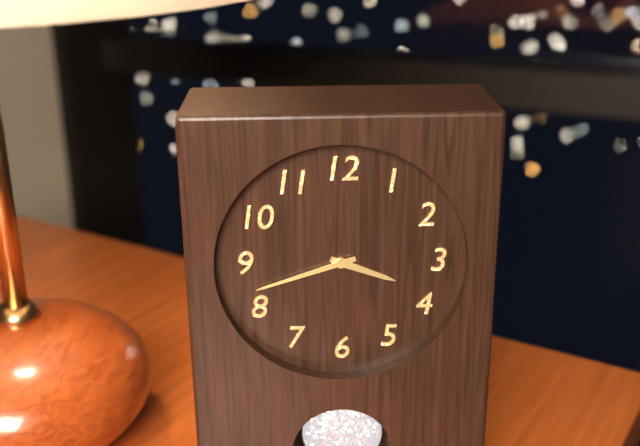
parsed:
3:42
